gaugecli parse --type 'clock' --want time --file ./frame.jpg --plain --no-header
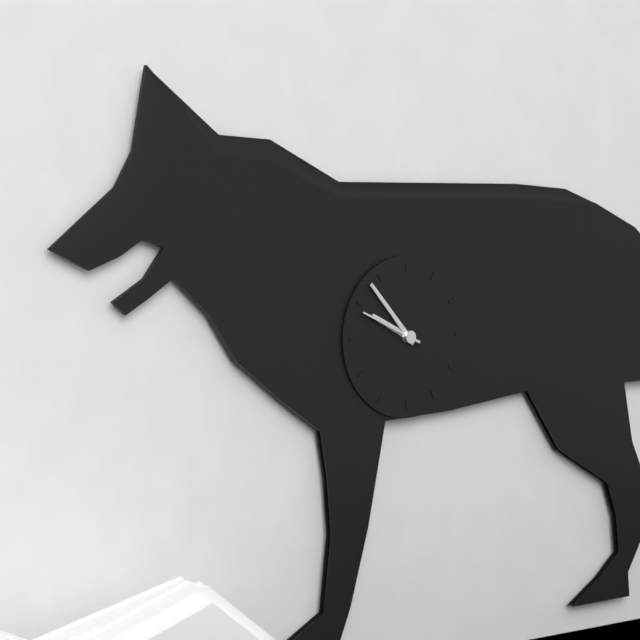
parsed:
9:53:49
